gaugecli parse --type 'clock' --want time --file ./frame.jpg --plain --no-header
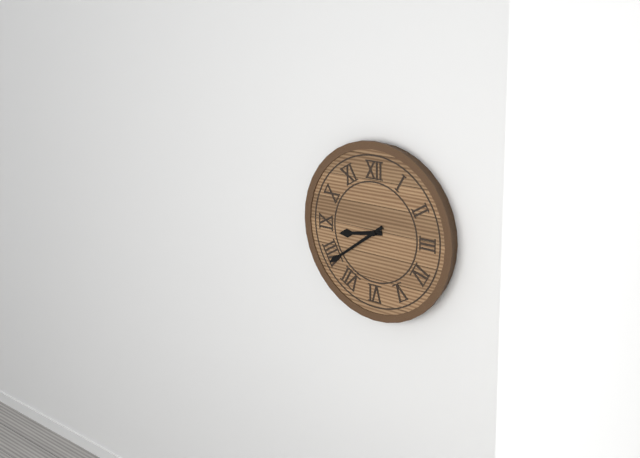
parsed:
8:39
